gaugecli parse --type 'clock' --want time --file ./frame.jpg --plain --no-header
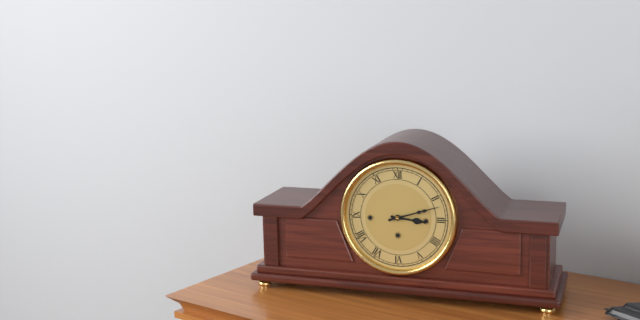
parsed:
3:12
